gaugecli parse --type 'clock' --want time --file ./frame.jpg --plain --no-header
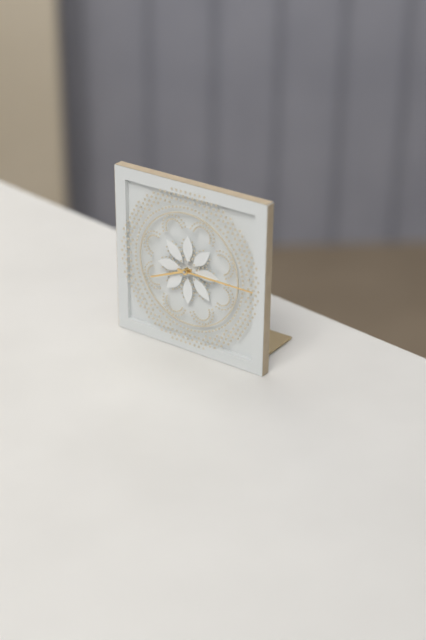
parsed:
8:15
